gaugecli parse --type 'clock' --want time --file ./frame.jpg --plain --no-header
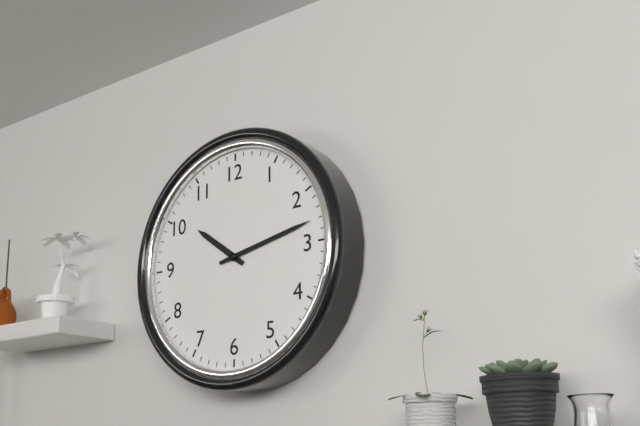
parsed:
10:13
